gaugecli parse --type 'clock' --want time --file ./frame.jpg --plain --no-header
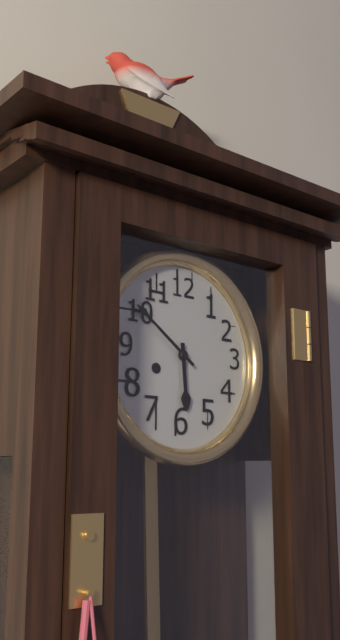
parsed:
5:51
